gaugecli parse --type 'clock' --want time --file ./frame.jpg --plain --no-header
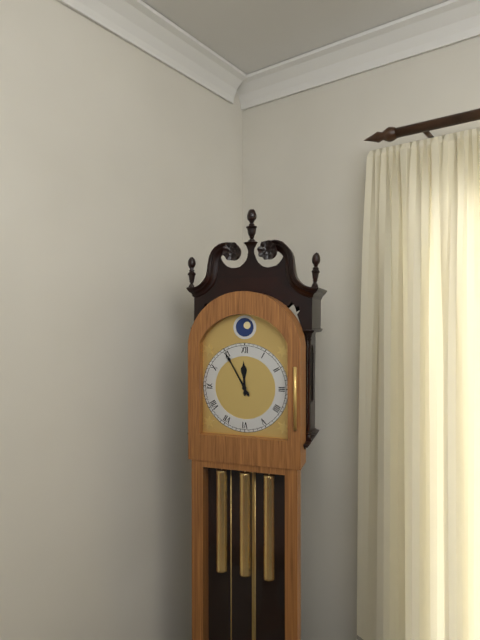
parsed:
11:55
